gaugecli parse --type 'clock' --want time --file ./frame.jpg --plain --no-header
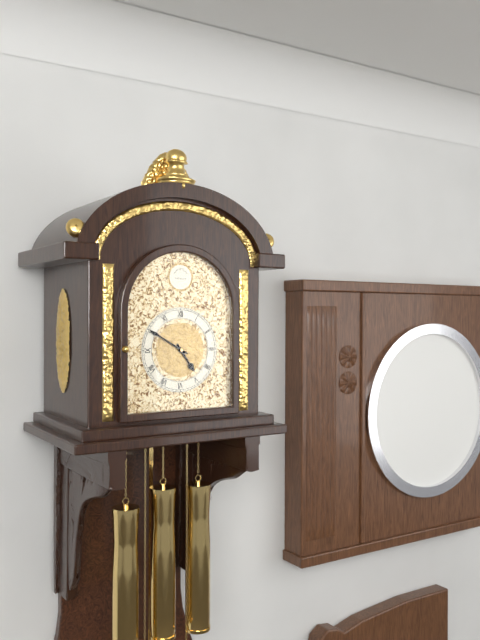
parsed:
4:50
